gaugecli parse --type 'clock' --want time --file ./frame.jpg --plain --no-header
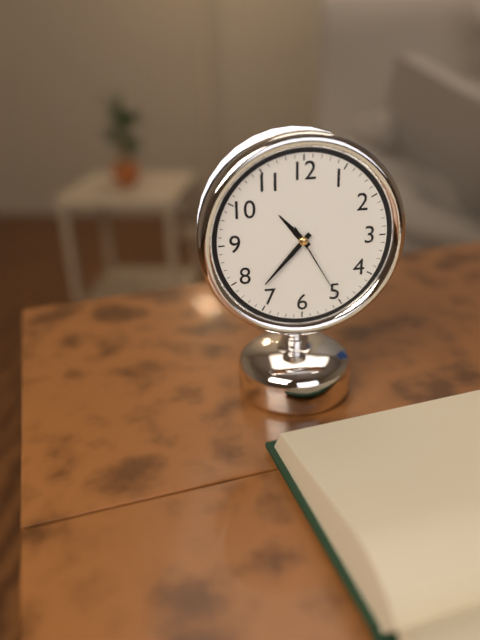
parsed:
10:37:25
